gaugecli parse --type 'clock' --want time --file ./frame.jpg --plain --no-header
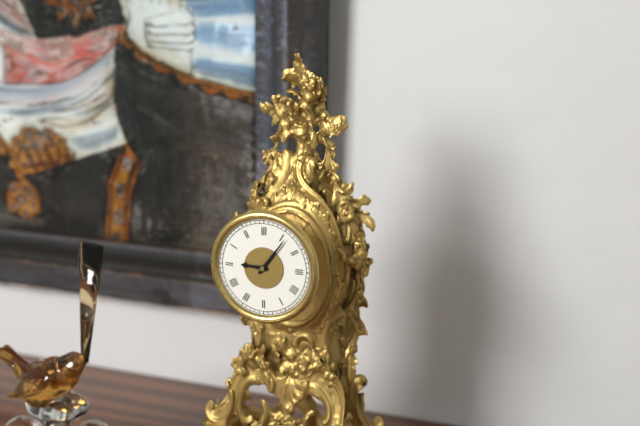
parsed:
9:06
